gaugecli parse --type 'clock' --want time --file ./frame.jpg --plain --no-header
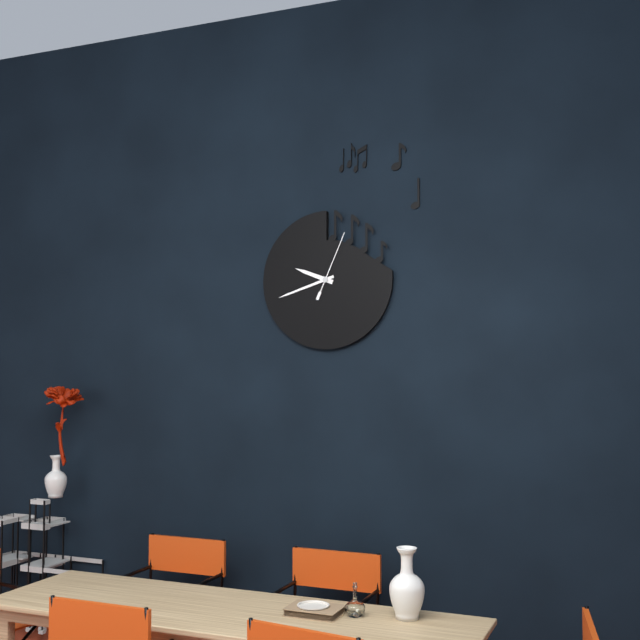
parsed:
9:42:04
